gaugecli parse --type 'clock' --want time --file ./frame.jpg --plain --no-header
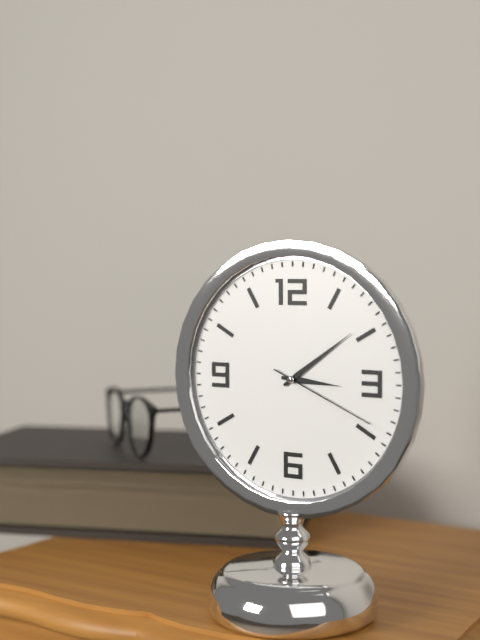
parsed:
3:09:19
